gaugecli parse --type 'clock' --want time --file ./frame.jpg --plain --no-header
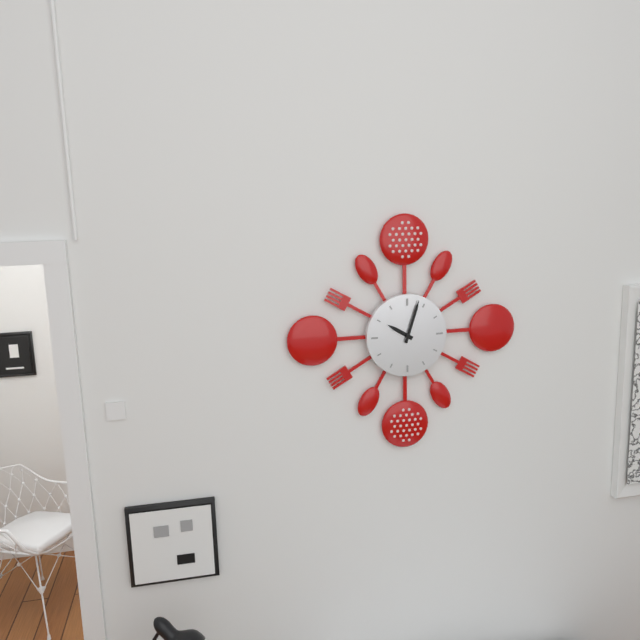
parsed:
10:03
